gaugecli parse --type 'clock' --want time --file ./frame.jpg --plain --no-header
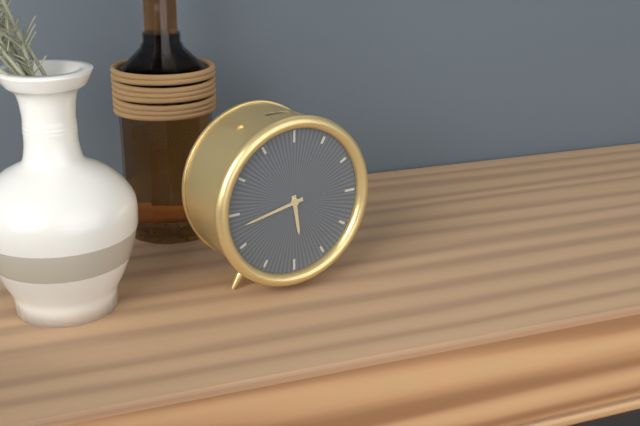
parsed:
5:43
